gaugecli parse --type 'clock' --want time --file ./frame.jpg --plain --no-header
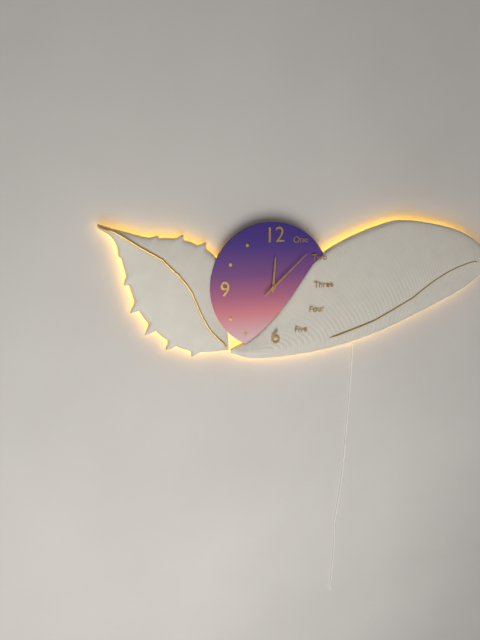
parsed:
12:08
